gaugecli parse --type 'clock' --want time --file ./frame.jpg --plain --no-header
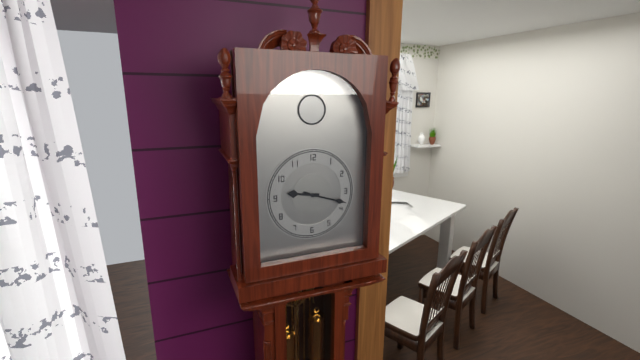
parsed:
9:18
